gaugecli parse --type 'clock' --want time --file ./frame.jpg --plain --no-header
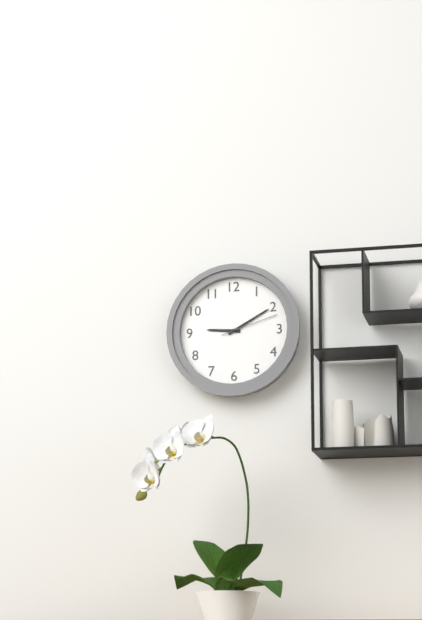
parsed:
9:10:12
